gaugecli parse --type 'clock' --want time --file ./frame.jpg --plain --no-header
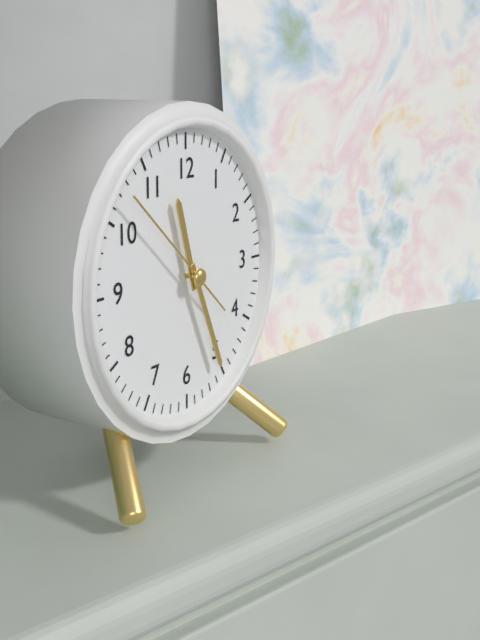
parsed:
11:26:52
